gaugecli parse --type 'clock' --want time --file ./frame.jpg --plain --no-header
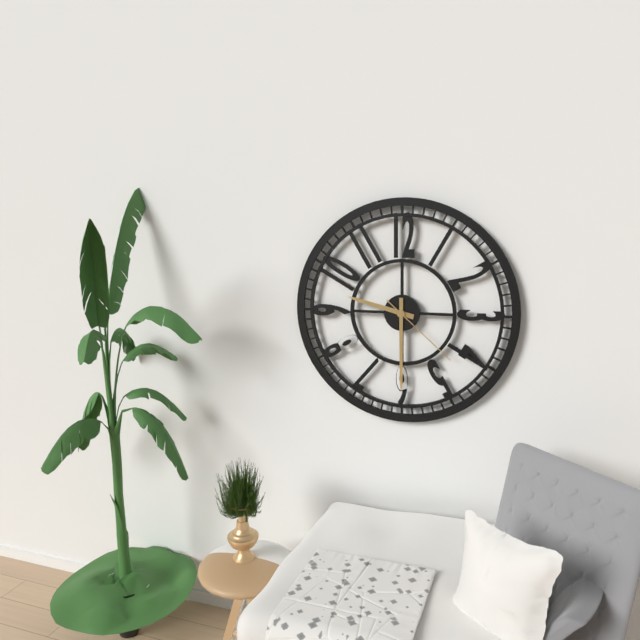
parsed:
9:30:22
